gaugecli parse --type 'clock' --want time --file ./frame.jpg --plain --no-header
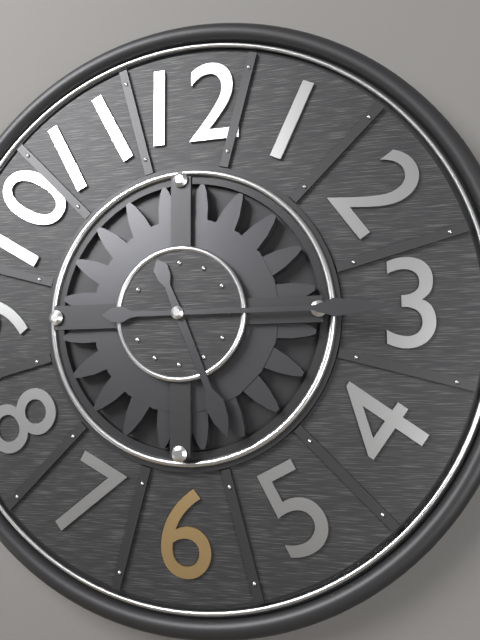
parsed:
5:15
